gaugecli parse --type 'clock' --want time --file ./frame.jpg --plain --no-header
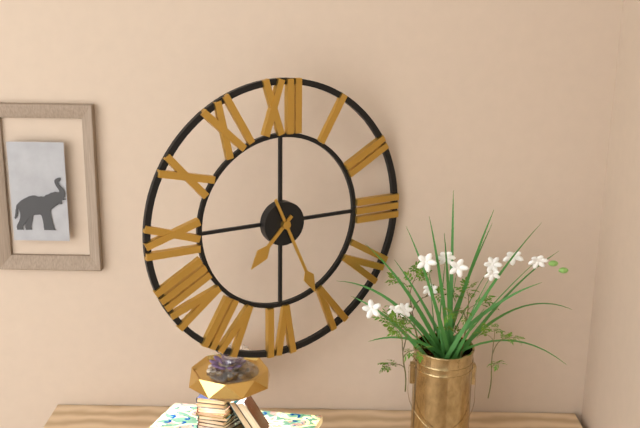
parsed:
7:26
